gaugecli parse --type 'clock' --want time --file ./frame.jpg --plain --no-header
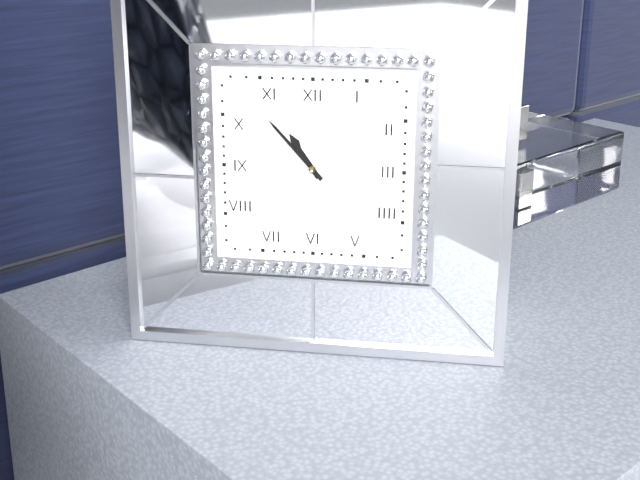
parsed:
10:53
